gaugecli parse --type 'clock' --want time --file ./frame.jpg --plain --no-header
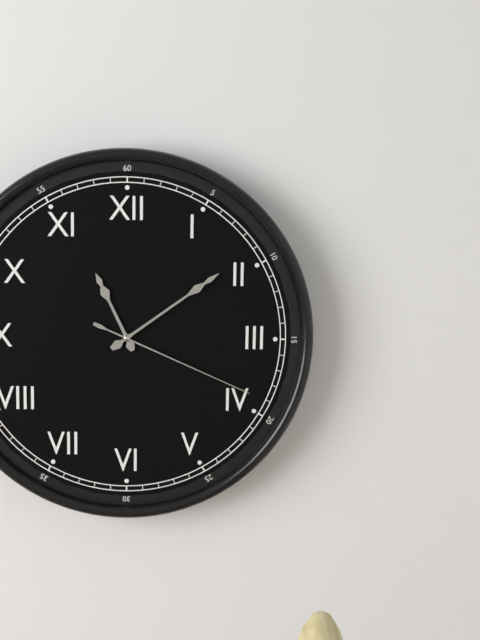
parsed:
11:09:19
